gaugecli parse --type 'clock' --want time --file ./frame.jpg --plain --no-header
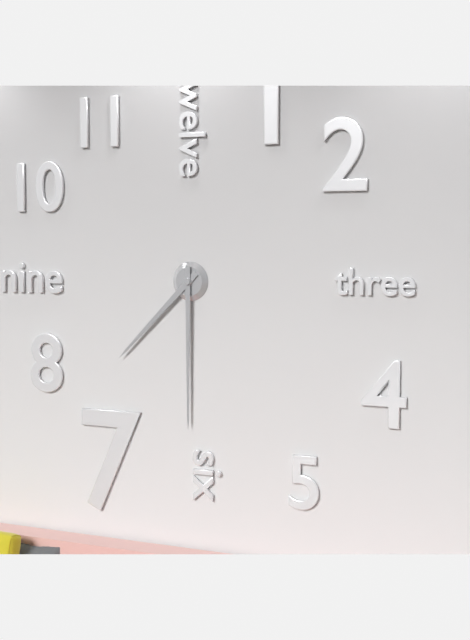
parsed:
7:30
